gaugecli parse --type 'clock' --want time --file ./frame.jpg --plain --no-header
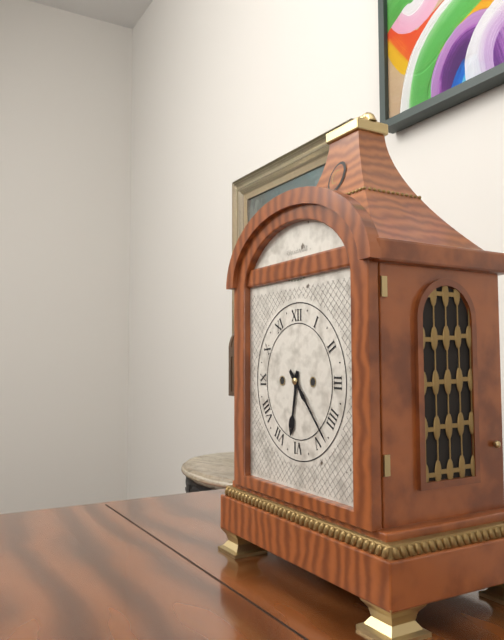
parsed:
6:23
